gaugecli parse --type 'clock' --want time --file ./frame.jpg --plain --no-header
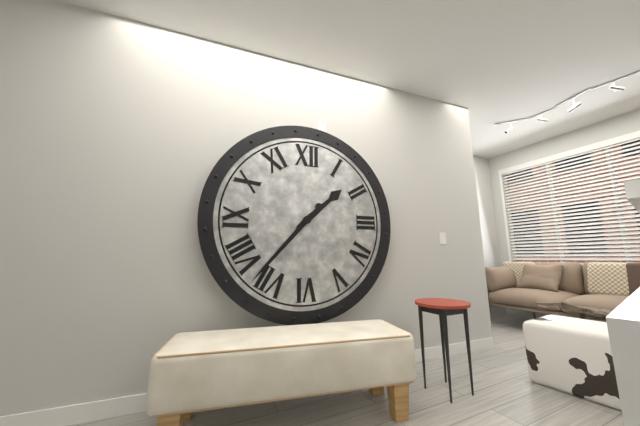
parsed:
1:37
